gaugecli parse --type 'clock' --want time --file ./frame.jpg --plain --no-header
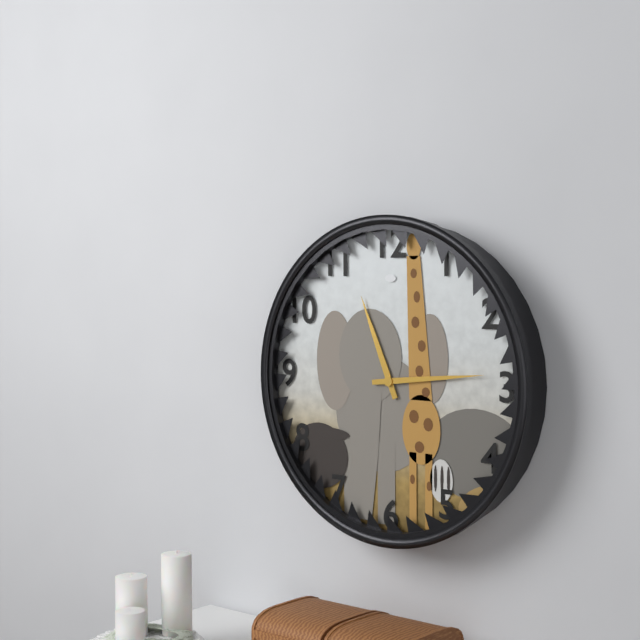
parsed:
11:14
